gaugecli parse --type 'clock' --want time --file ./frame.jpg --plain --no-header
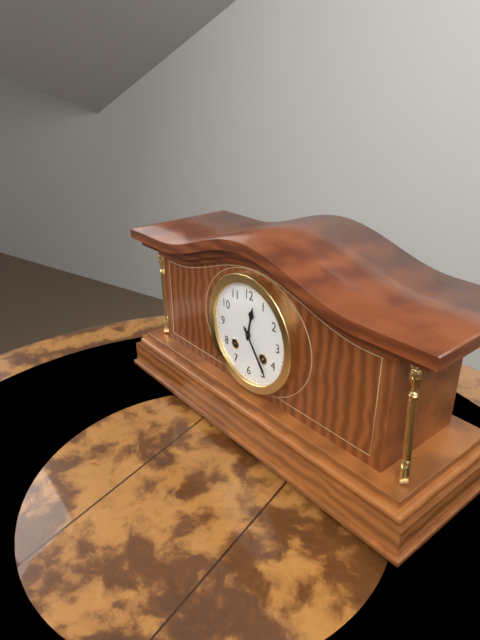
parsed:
12:24
